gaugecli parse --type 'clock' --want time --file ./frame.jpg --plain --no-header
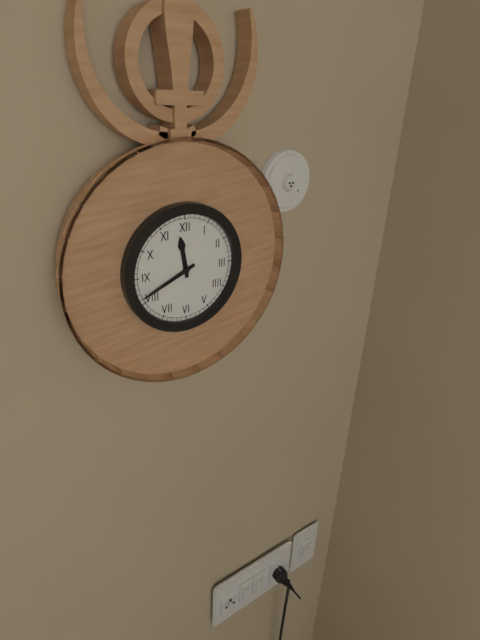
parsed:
11:41
